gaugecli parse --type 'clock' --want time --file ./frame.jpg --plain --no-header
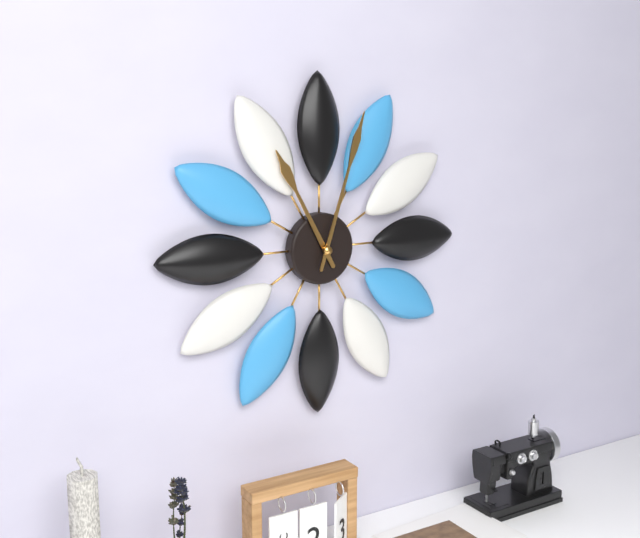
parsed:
11:03
